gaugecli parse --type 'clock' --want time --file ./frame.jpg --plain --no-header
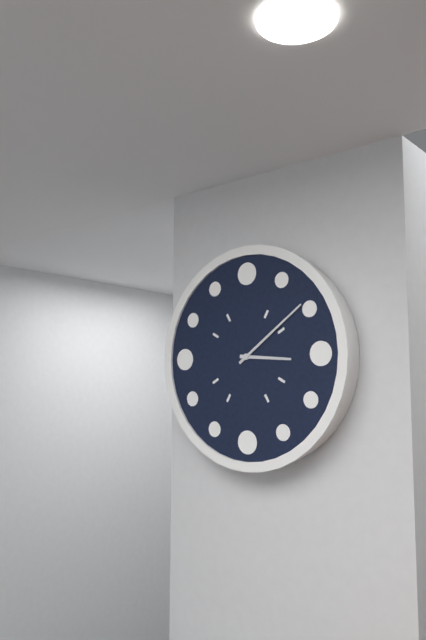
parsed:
3:09
